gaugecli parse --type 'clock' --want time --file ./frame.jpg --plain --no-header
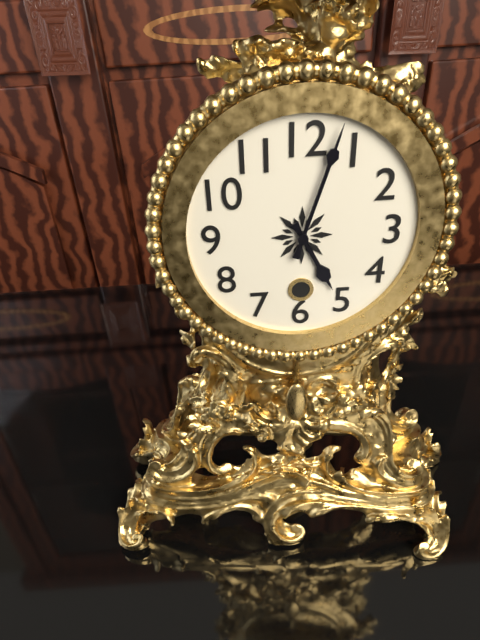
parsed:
5:03
